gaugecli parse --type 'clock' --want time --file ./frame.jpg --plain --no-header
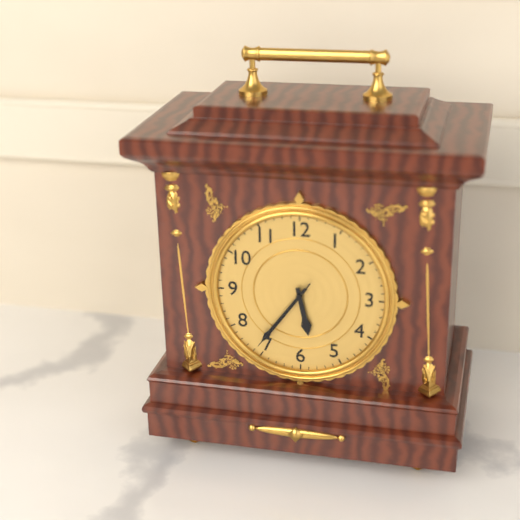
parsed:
5:36:36
